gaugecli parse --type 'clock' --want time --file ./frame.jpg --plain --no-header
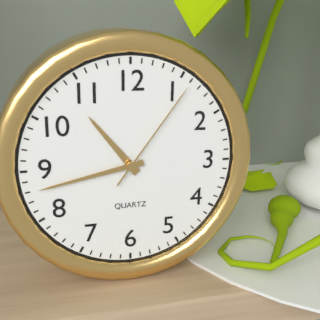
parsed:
10:43:06
